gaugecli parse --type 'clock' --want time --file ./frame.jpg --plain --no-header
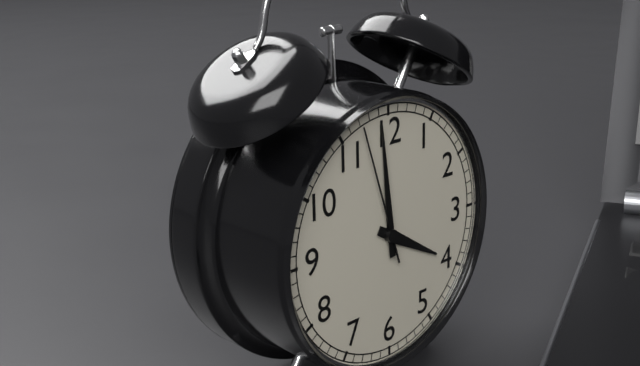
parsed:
3:59:57
